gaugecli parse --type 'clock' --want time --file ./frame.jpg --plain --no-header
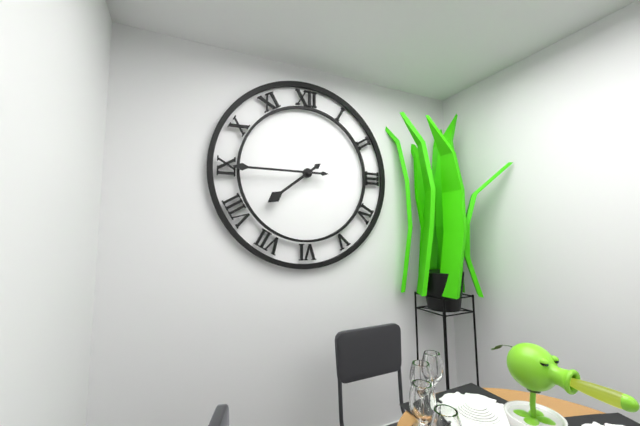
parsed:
7:45
